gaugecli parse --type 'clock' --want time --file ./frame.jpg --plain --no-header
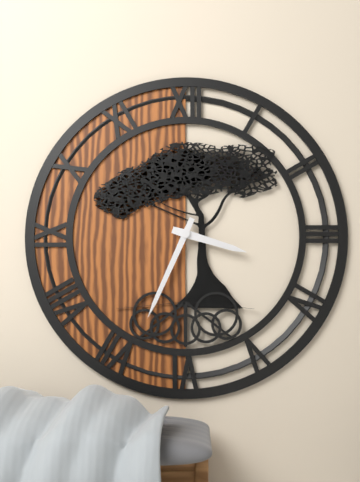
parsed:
3:34
